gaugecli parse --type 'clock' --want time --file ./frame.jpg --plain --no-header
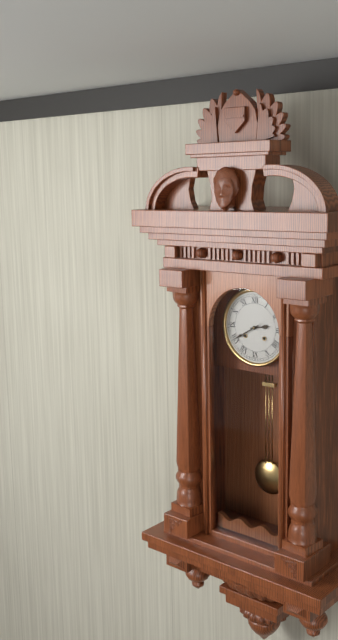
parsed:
2:40
